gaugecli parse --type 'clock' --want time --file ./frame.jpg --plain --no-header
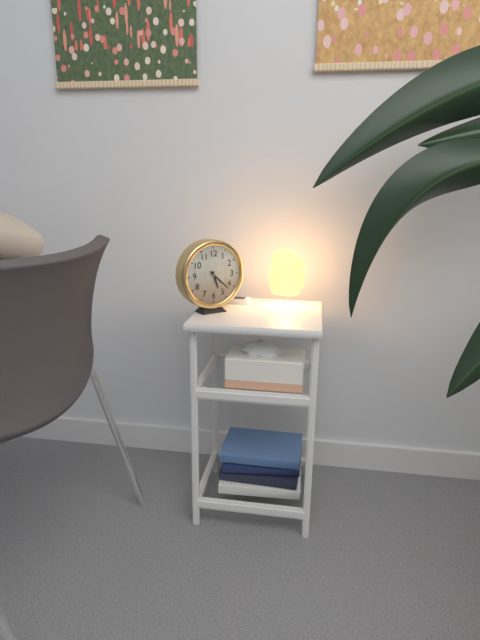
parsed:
5:22
